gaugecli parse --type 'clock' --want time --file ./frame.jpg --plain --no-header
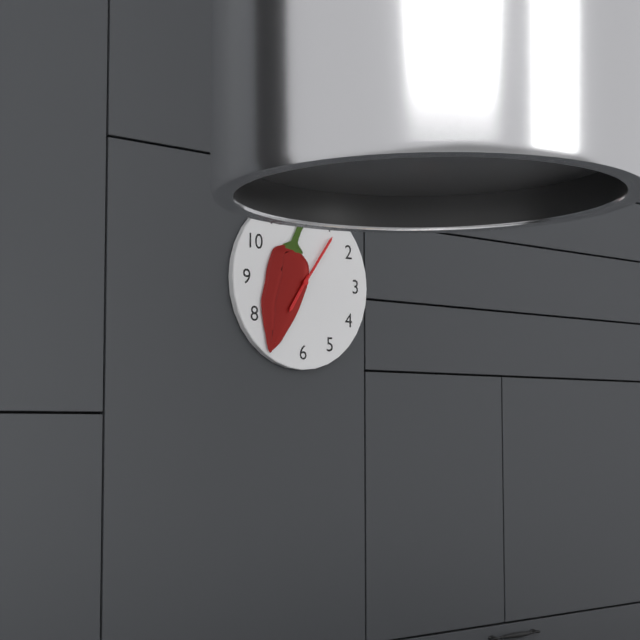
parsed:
7:06
